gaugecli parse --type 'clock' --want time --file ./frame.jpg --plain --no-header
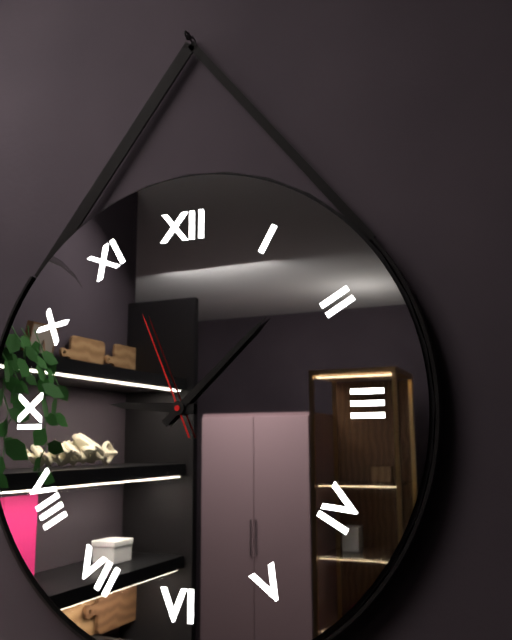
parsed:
9:08:56
